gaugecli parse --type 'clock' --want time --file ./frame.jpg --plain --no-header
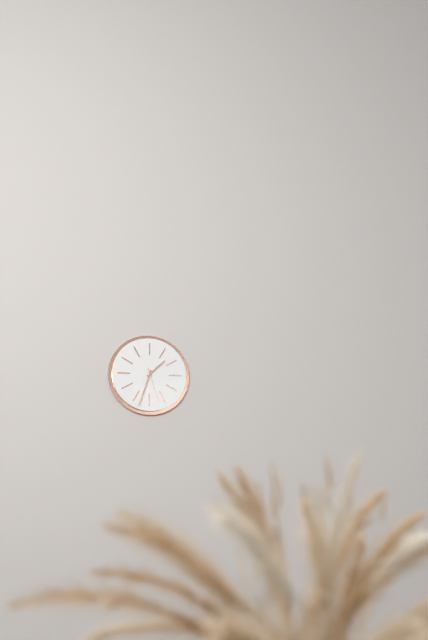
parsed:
1:33
